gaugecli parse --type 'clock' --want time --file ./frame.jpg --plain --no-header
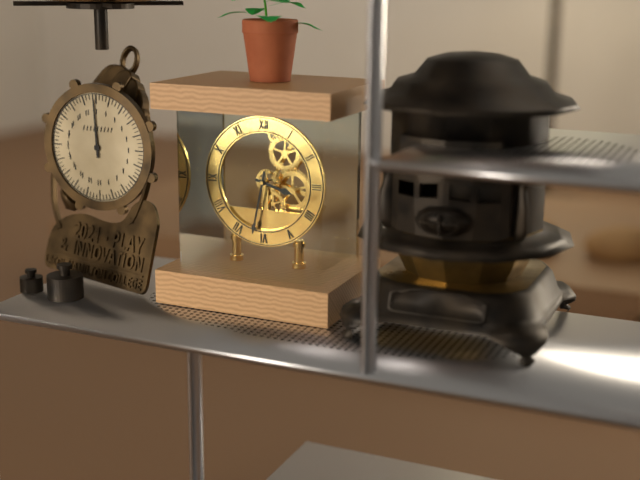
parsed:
3:32
